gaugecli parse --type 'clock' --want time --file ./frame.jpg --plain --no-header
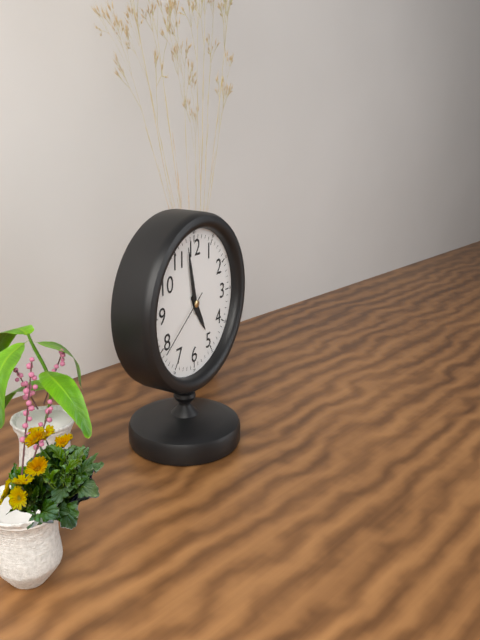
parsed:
4:58:39
